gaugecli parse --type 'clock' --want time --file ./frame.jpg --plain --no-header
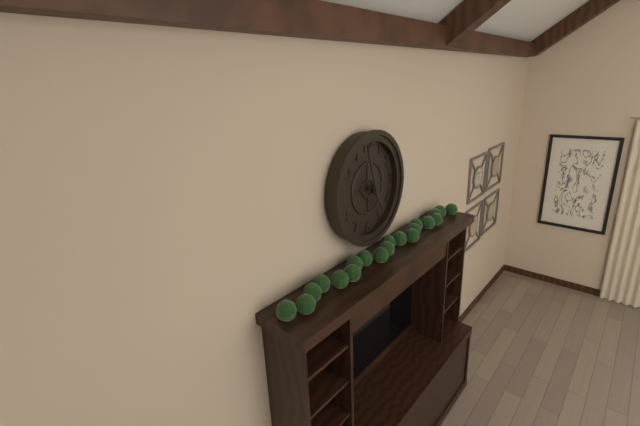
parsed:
4:57
